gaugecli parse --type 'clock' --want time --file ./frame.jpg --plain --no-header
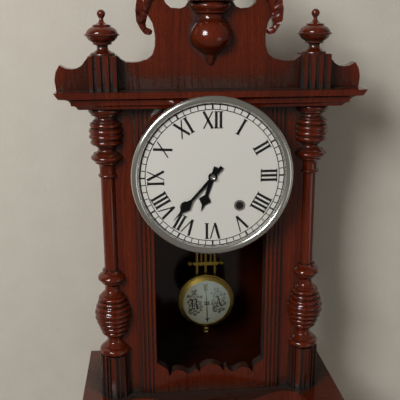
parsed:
6:37
